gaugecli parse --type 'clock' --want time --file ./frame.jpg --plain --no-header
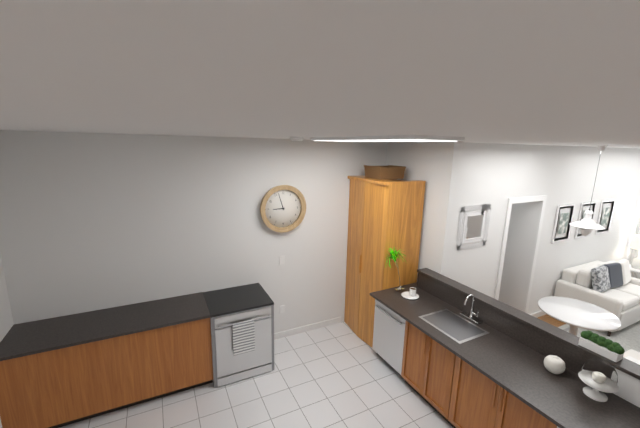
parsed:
8:57
